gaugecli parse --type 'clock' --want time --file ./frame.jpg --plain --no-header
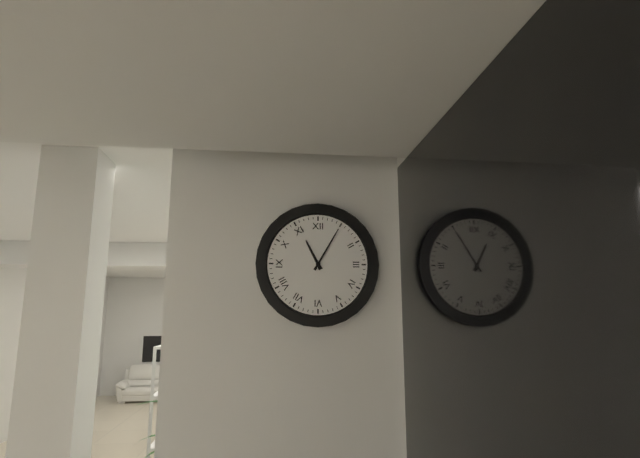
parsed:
11:05
